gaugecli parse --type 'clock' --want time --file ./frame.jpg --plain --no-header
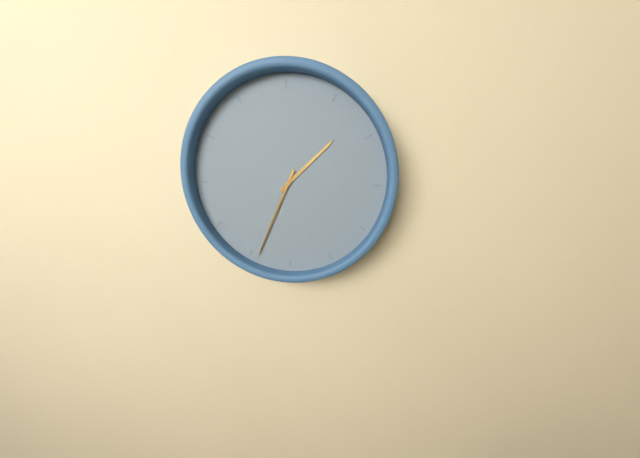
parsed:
1:34
